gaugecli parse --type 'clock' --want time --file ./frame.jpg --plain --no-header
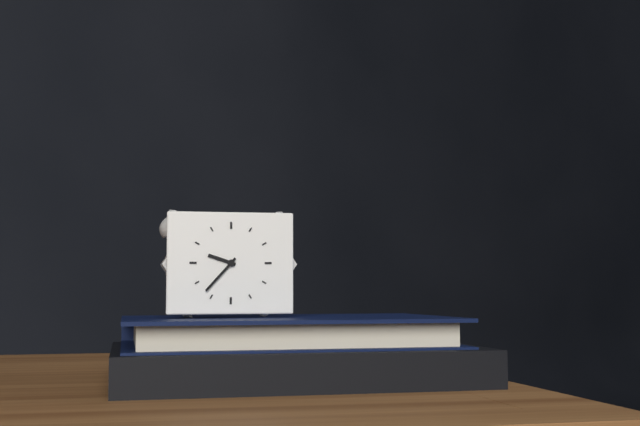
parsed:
9:37
